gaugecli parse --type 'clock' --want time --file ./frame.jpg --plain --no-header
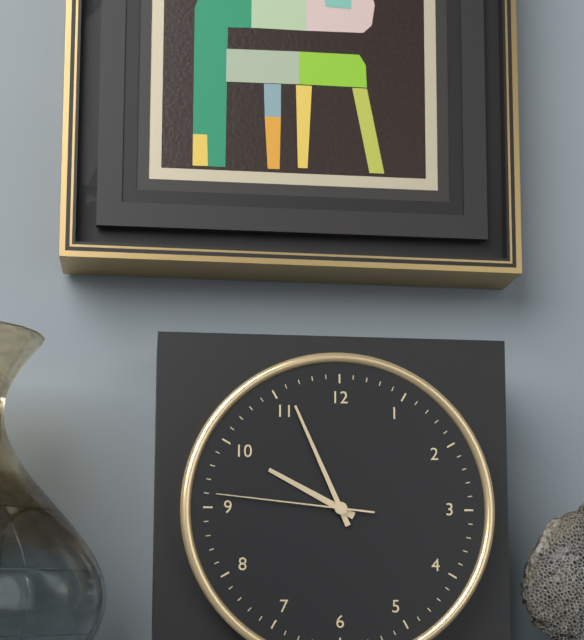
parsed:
9:56:46
